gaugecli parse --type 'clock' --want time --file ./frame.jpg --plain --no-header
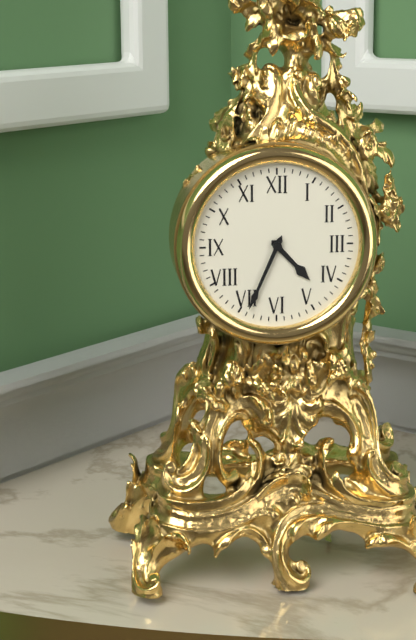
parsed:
4:34
